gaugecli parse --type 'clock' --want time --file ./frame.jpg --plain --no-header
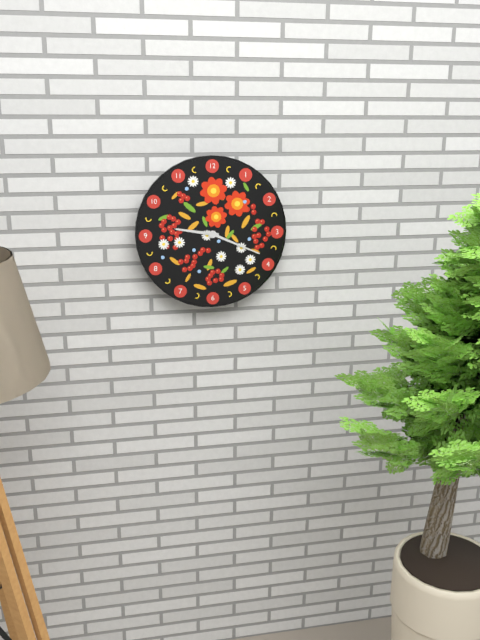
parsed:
9:19
